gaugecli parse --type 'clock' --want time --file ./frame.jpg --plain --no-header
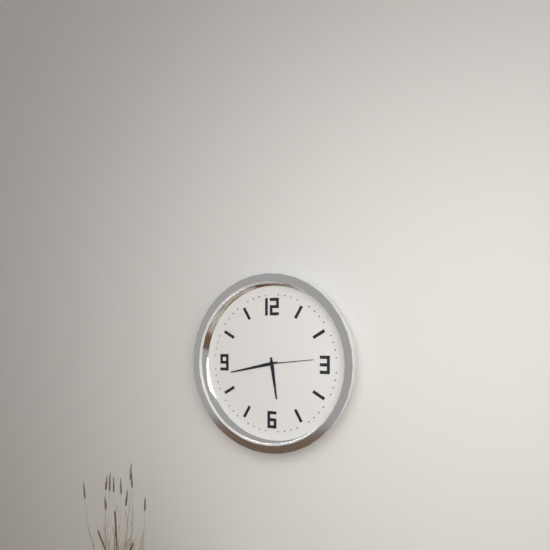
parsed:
5:43:14
